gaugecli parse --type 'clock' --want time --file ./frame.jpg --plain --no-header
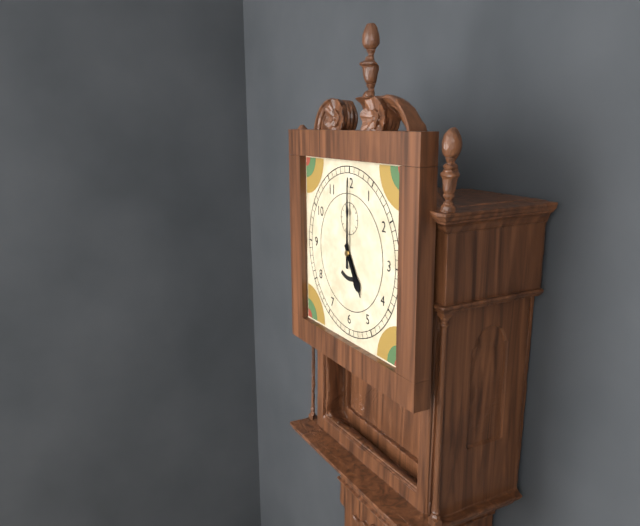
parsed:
5:00
